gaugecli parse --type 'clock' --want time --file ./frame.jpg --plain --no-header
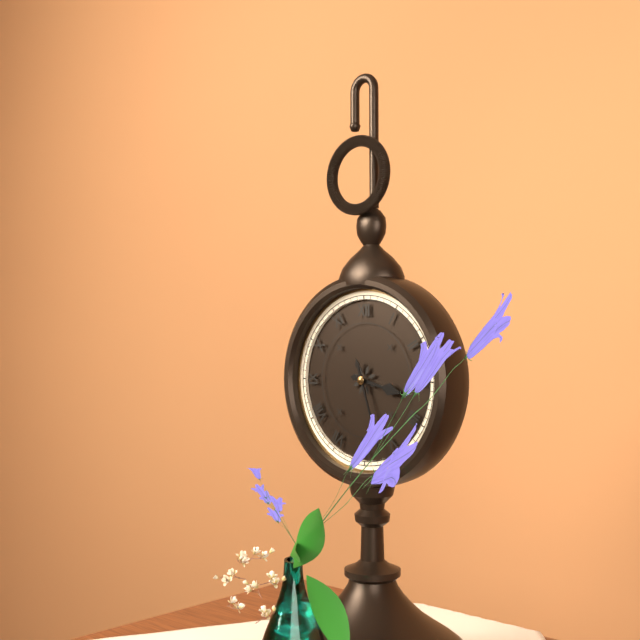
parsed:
3:27
